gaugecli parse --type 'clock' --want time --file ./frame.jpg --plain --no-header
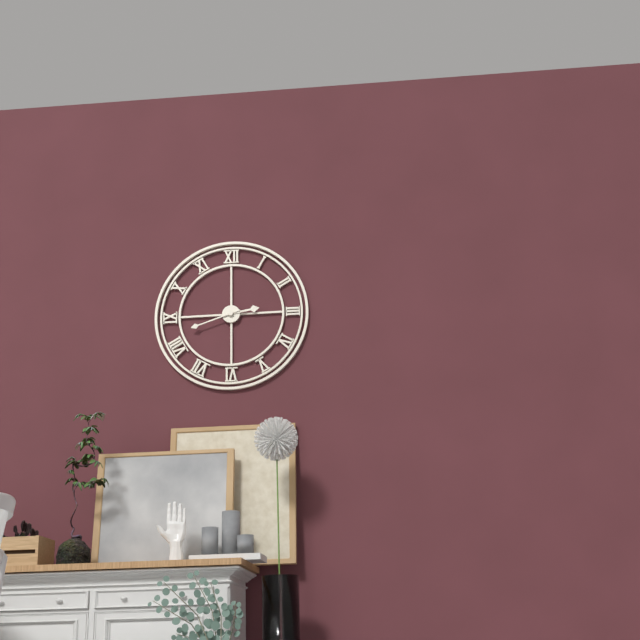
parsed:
2:42
